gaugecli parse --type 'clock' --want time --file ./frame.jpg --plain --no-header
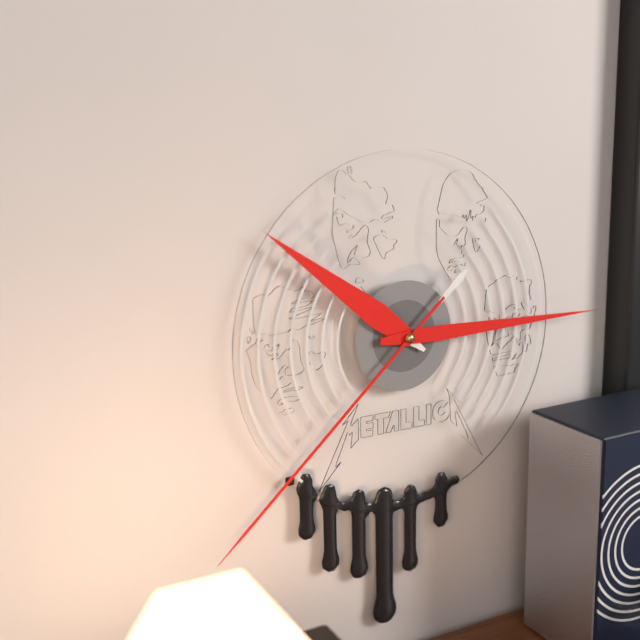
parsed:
10:15:38
